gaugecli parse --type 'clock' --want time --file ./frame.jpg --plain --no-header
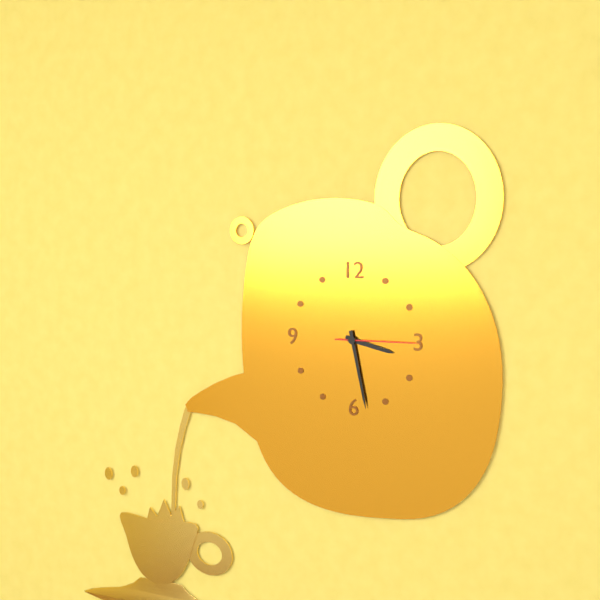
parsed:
3:28:15
